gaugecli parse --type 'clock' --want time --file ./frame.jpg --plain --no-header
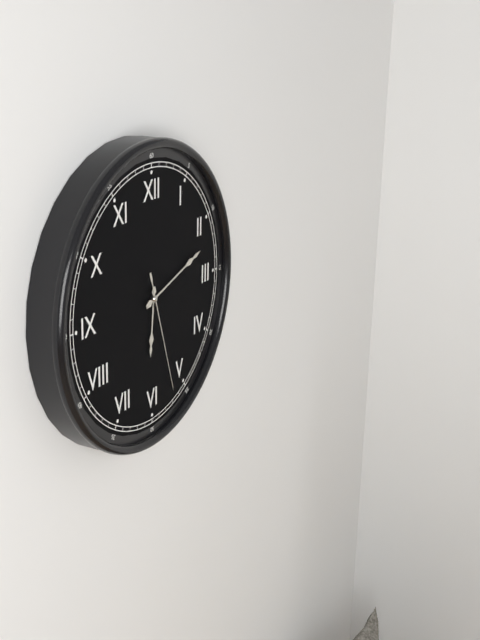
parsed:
6:12:27
